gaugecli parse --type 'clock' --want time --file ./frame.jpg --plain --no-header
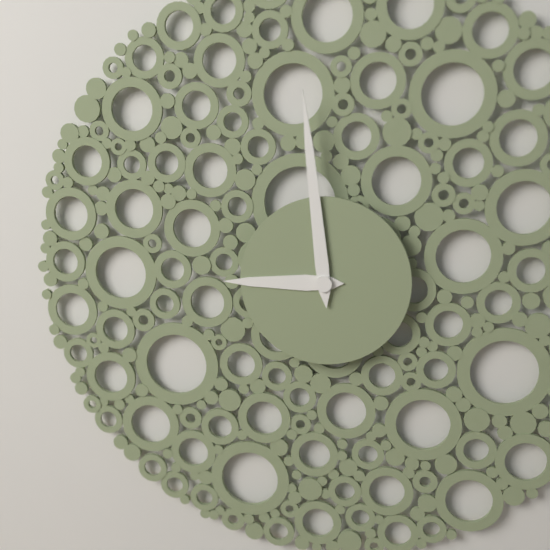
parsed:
8:59
